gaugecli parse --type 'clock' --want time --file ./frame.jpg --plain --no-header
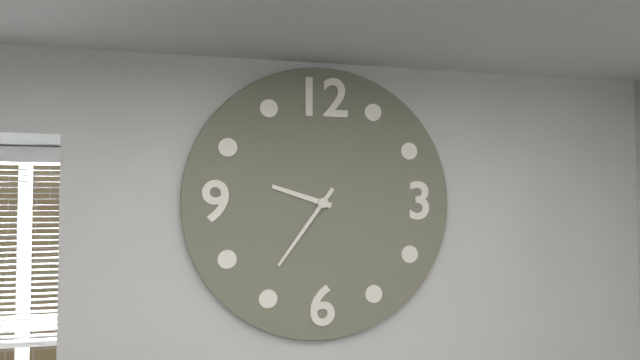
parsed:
9:36
